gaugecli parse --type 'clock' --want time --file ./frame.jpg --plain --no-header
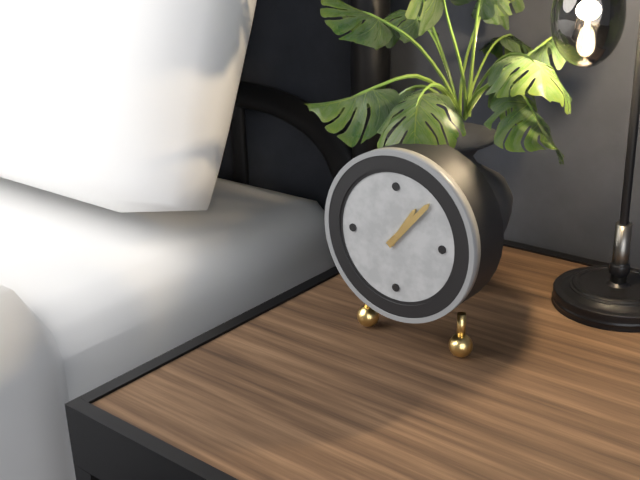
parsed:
1:07
